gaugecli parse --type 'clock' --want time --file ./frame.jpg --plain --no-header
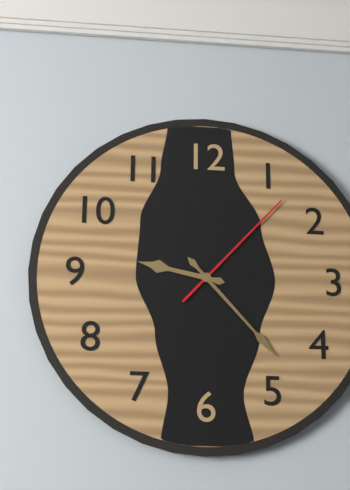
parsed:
9:23:07
